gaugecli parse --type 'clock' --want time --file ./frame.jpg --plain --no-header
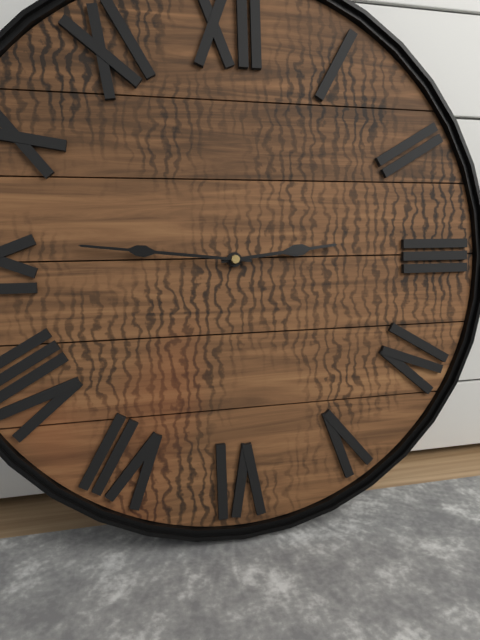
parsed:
2:46
